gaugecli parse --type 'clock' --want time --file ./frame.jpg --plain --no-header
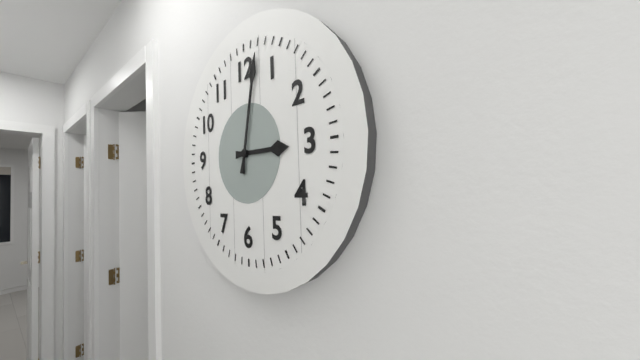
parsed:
3:02
